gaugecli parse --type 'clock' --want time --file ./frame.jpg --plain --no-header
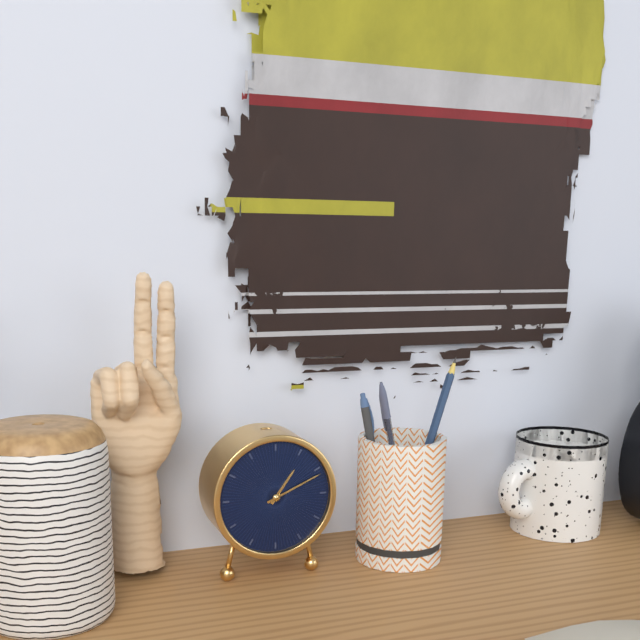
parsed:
1:11
